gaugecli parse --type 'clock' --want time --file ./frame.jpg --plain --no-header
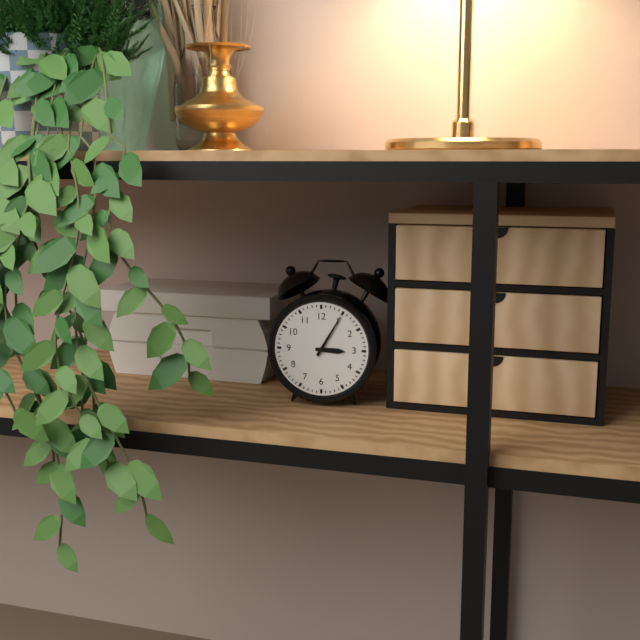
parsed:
3:05
